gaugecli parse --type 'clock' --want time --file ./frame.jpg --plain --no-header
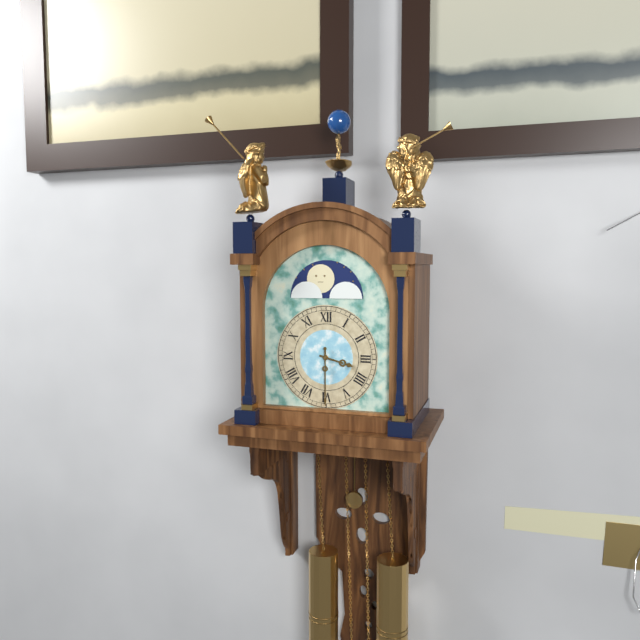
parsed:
3:30
